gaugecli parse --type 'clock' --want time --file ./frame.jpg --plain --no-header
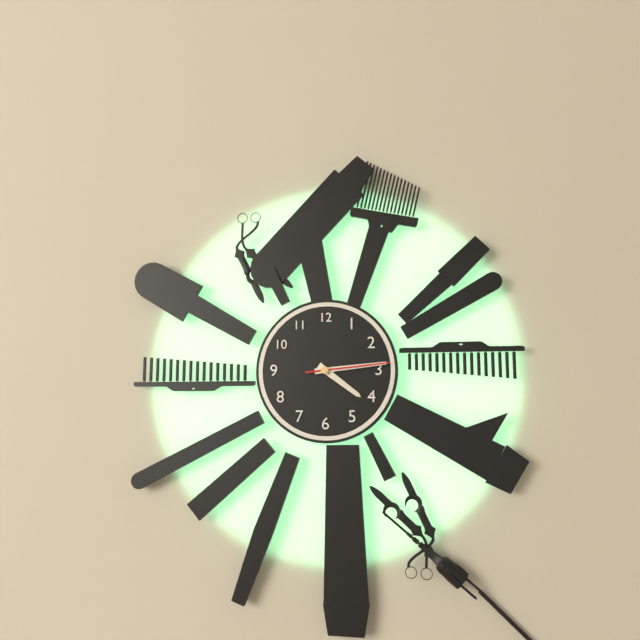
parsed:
4:14:14
